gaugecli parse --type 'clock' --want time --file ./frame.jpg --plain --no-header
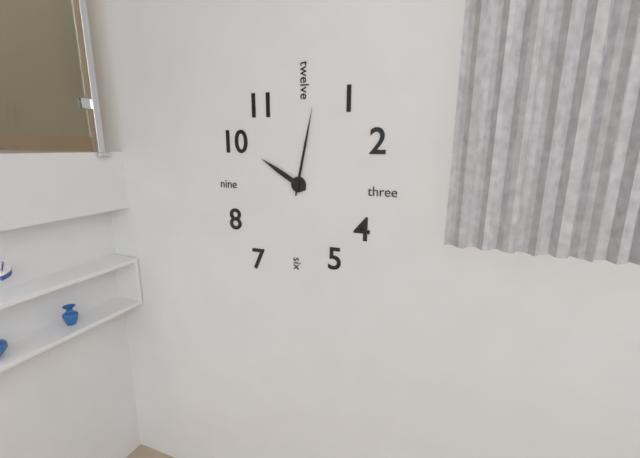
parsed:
10:02
